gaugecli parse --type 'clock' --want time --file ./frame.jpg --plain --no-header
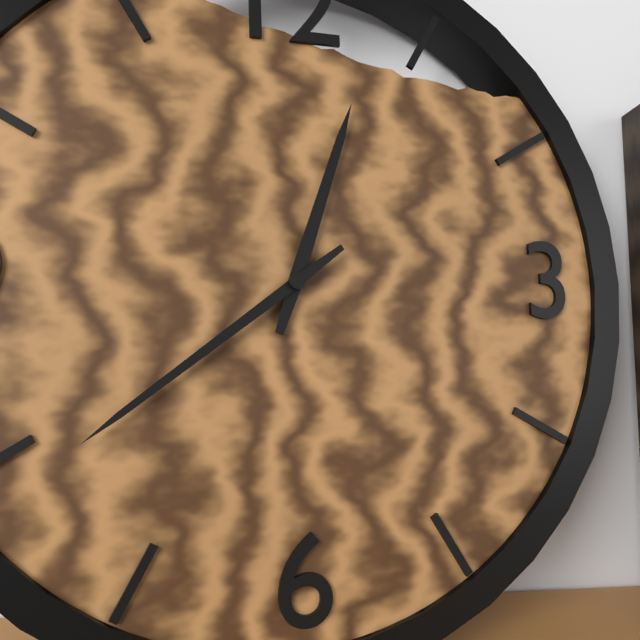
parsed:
12:39
